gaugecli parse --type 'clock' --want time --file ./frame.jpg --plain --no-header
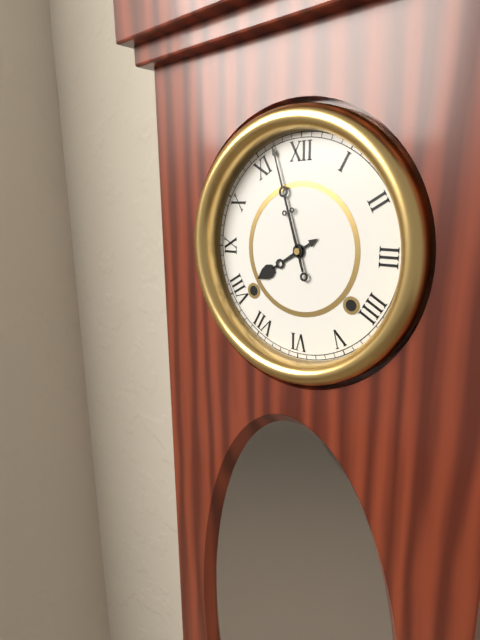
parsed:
7:57
